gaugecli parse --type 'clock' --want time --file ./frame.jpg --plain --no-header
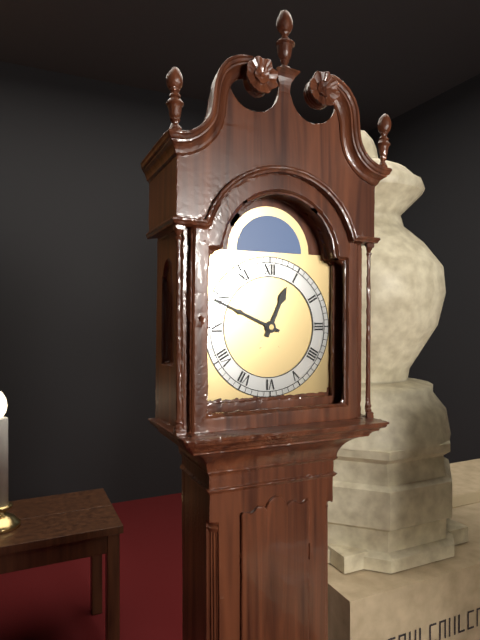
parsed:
12:49
